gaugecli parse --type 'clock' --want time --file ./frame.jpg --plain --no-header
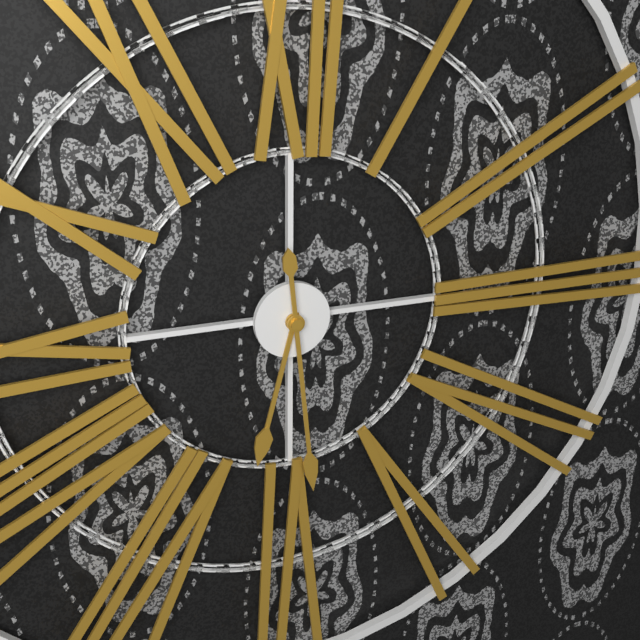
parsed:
6:29
